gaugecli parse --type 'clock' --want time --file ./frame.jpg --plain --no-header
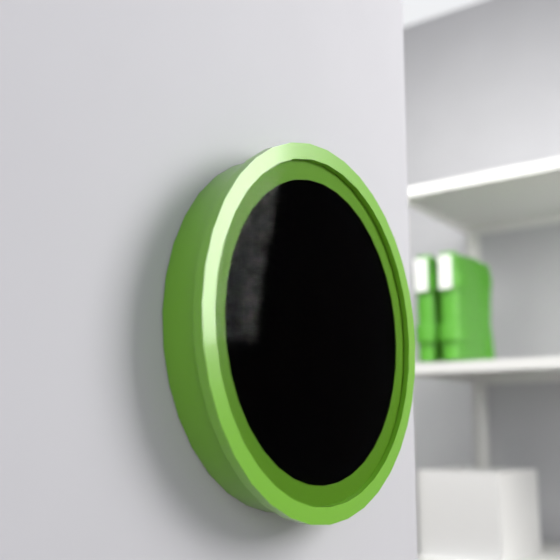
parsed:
6:33:14
